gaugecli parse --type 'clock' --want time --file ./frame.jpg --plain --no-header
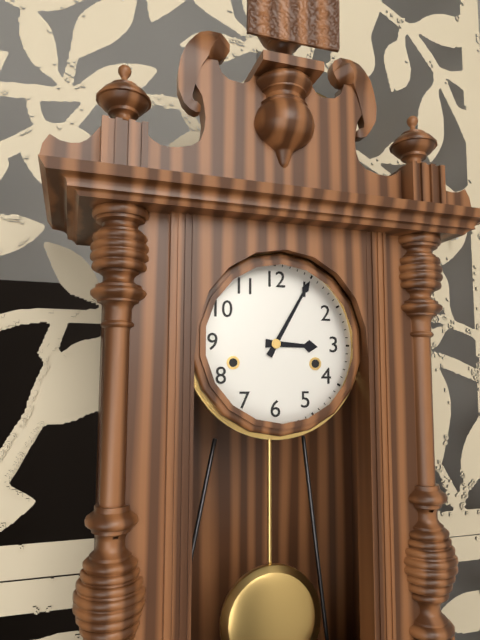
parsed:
3:05
